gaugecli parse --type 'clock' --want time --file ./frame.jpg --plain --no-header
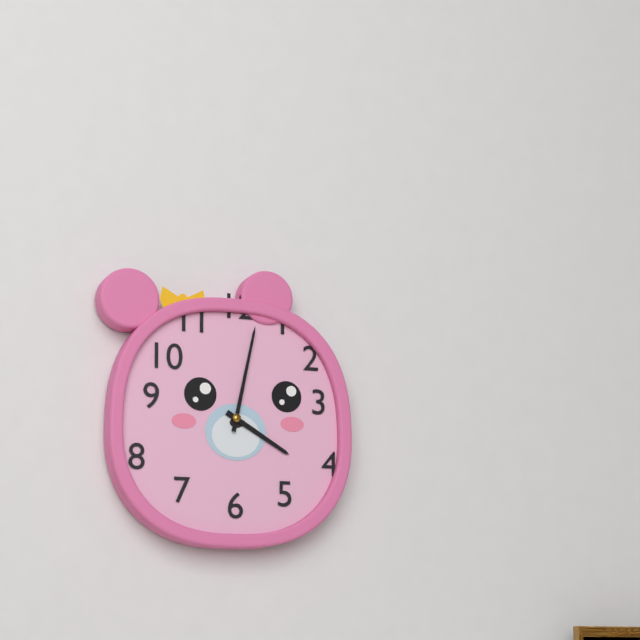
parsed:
4:02
